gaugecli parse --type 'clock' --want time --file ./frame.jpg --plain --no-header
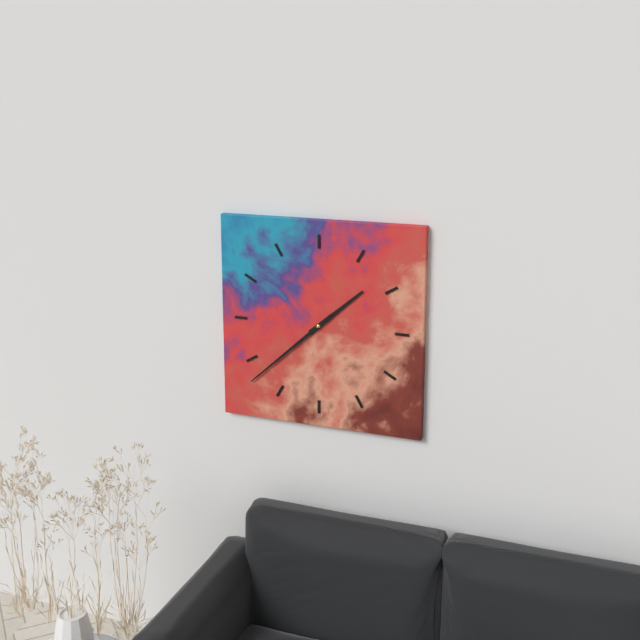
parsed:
1:38
